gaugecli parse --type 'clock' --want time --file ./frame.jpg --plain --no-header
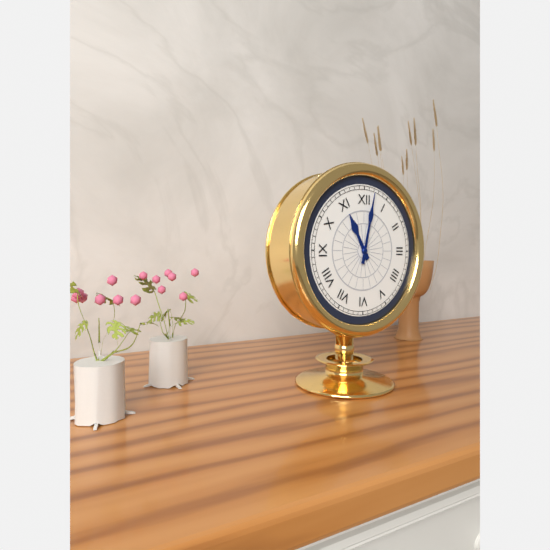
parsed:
11:02
